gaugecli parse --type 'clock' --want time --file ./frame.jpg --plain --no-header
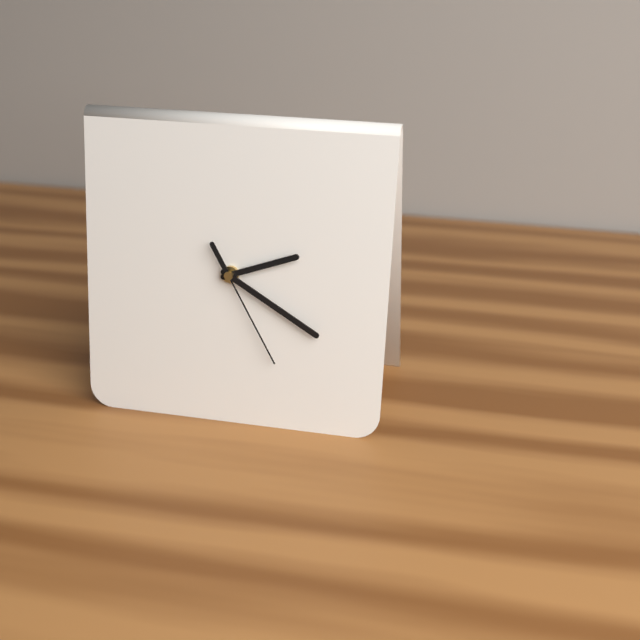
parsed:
2:20:25
